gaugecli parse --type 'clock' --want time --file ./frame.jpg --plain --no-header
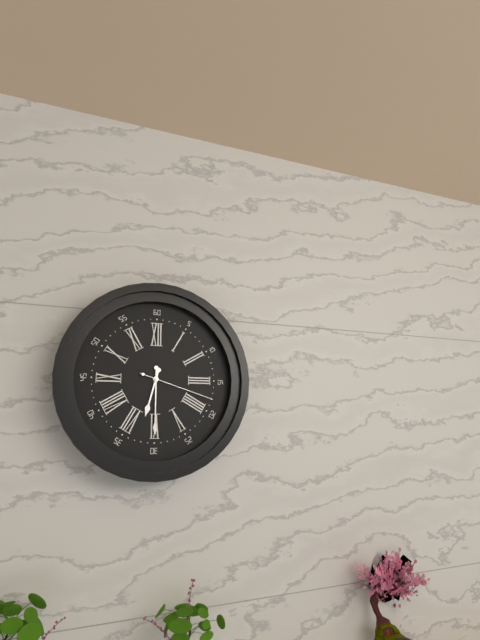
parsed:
6:30:18
